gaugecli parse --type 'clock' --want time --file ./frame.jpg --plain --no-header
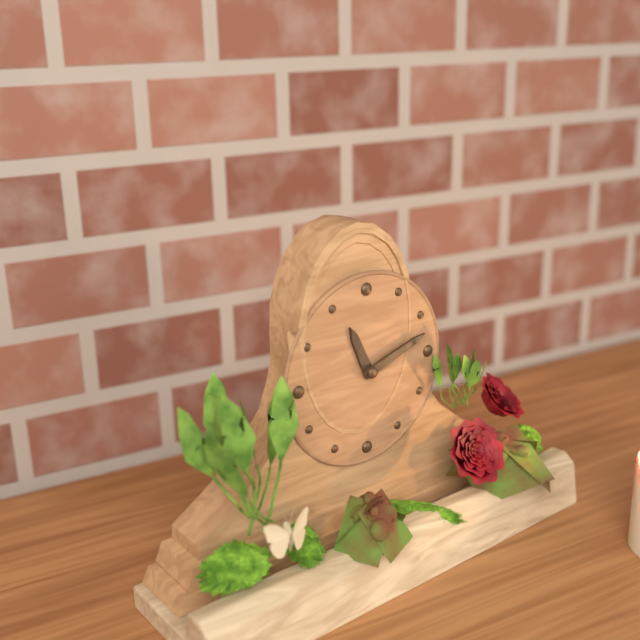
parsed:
11:12
